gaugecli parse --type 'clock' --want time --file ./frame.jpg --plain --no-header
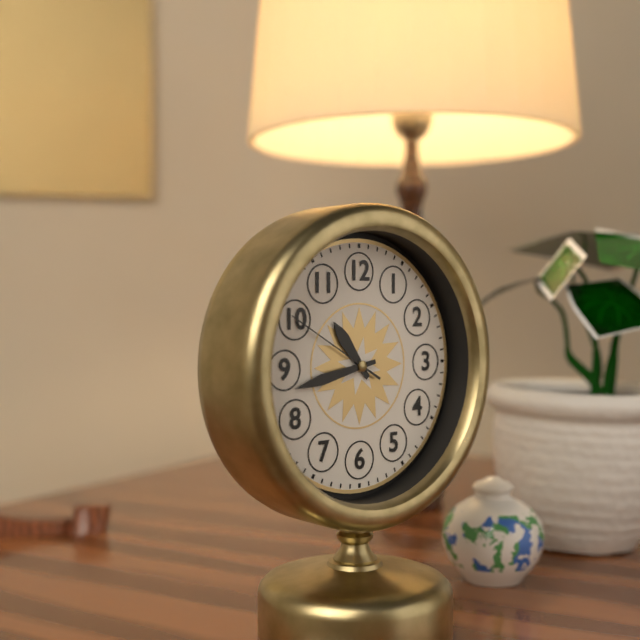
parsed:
10:43:50
